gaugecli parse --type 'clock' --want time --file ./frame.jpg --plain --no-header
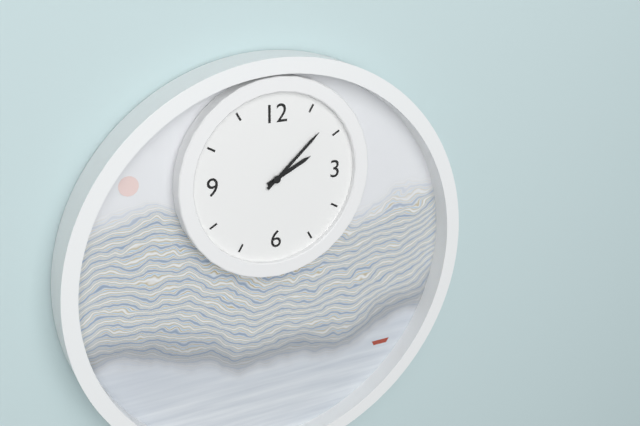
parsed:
2:08
